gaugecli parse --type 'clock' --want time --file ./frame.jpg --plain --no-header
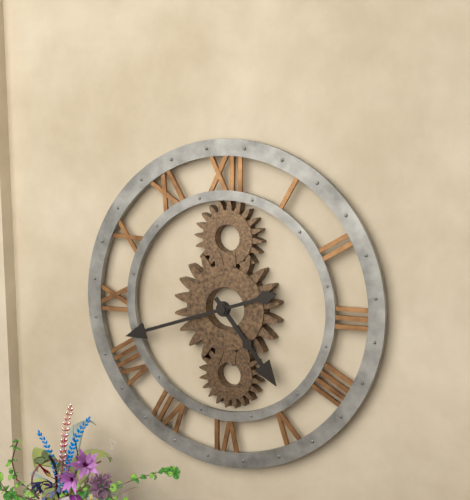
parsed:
4:42
